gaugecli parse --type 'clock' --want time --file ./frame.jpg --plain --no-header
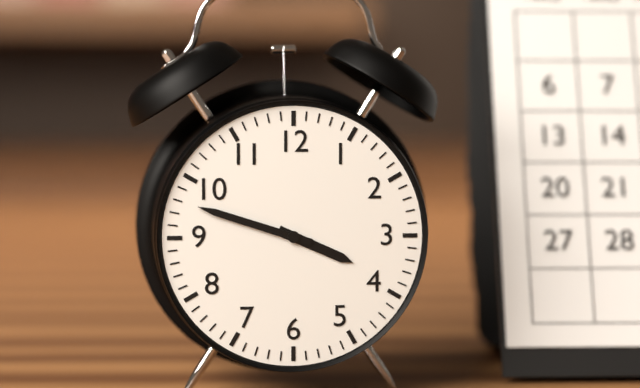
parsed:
3:48
